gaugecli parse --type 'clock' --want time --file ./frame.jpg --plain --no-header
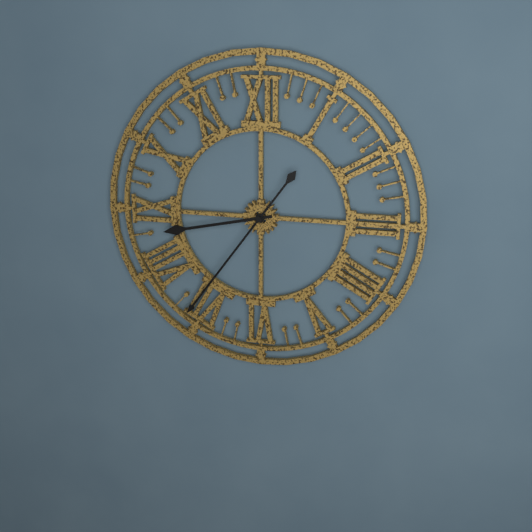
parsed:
8:36
